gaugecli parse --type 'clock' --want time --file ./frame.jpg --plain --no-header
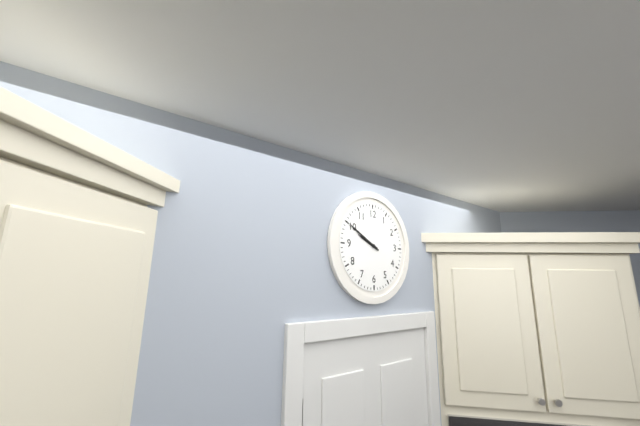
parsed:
9:50
